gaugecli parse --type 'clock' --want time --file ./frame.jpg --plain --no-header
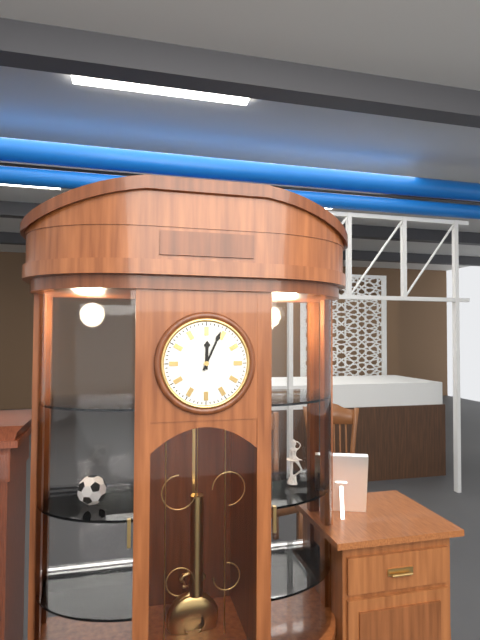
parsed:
12:04
